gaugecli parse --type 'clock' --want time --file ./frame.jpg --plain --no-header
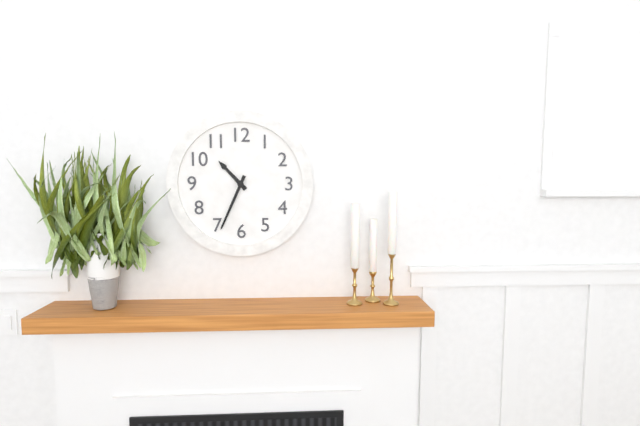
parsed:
10:34
